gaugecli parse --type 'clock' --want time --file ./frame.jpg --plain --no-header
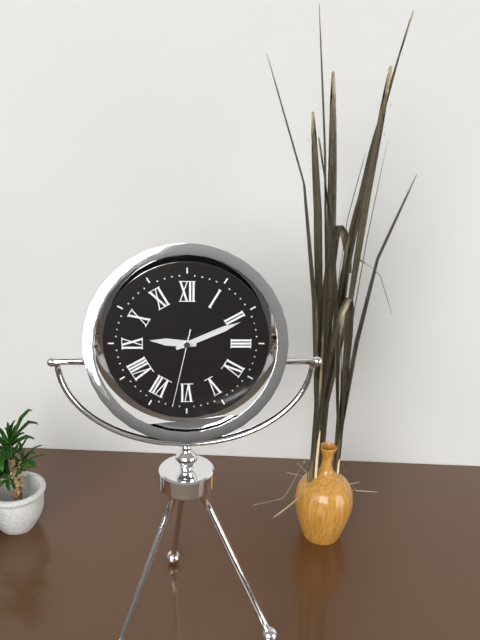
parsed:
9:11:32
